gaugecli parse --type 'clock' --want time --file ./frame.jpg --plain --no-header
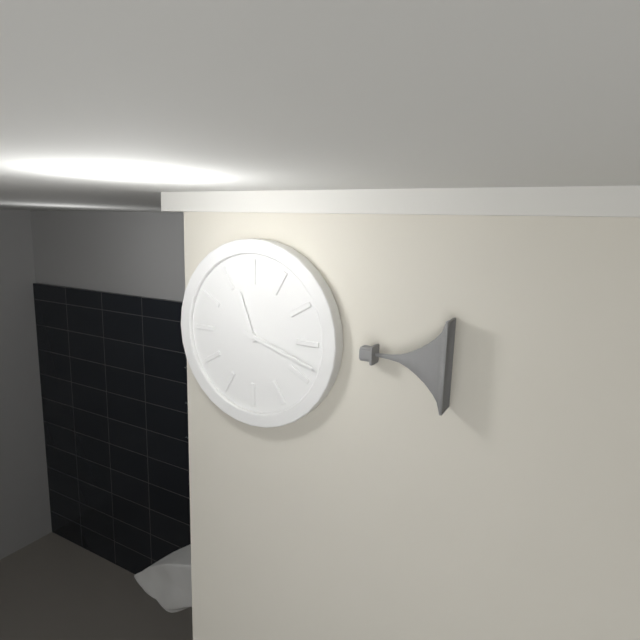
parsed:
11:18
